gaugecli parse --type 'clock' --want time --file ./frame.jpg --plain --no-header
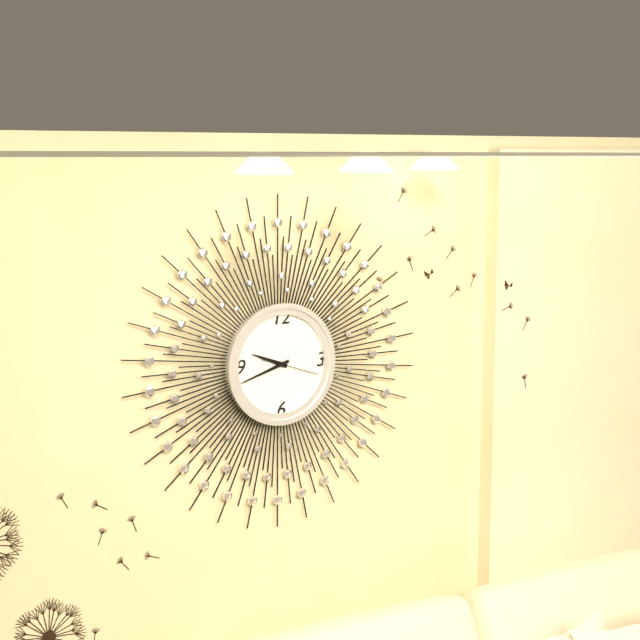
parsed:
9:42
